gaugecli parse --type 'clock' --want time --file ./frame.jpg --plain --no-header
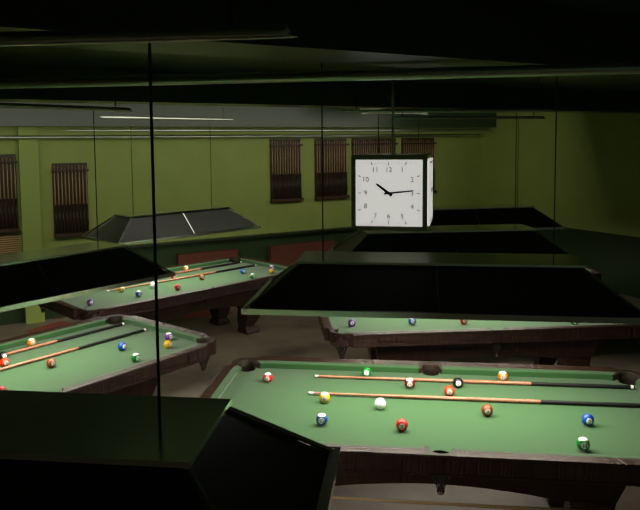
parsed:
10:14
